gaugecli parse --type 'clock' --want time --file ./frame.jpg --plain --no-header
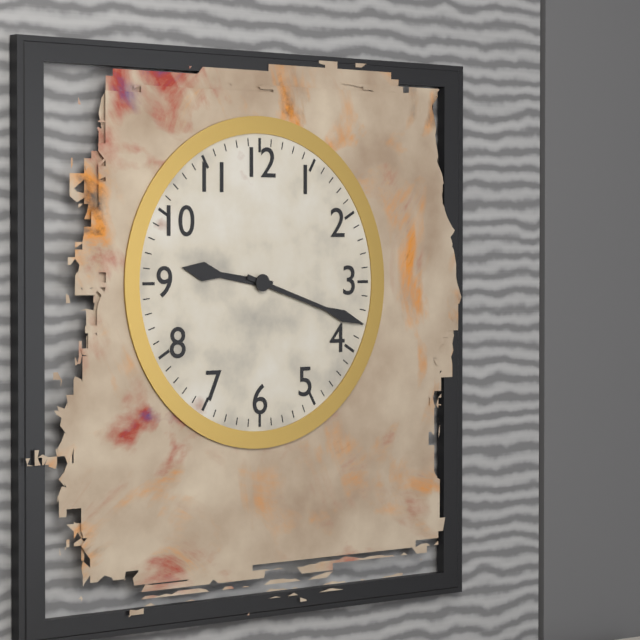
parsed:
9:18
